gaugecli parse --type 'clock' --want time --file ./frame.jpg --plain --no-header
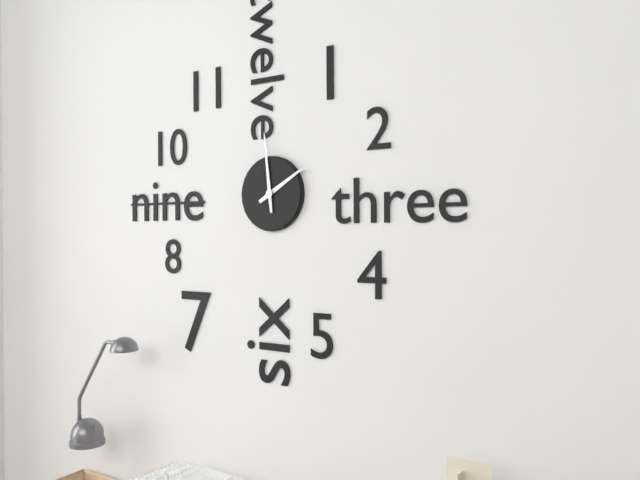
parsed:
1:59
